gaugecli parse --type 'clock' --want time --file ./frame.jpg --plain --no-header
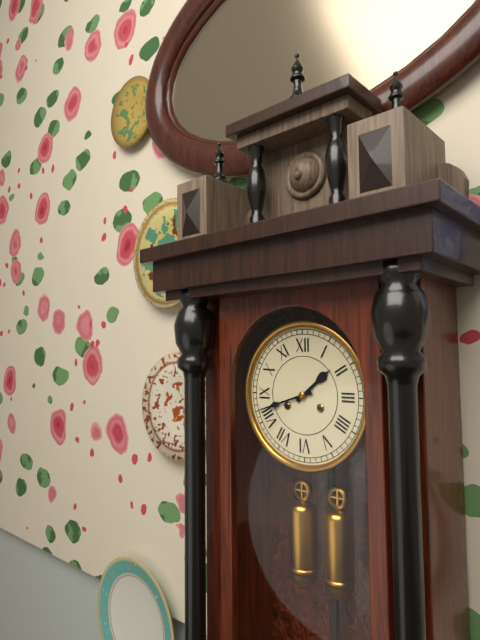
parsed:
1:42
